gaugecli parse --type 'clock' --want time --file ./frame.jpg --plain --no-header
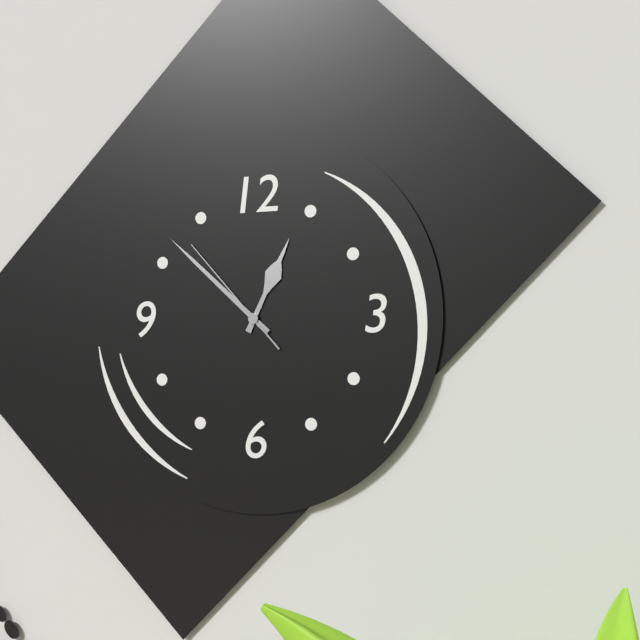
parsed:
12:52:53
